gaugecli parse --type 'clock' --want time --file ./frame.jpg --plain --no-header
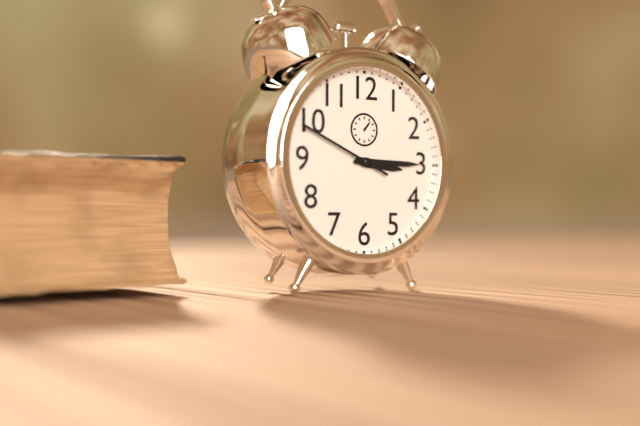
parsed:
3:15:49
